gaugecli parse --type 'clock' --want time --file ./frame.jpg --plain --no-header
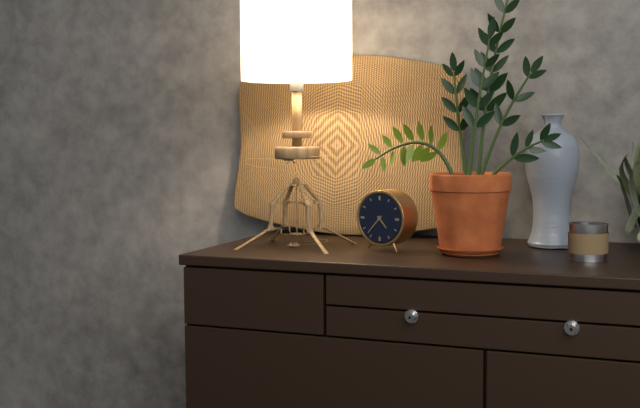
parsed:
4:37
